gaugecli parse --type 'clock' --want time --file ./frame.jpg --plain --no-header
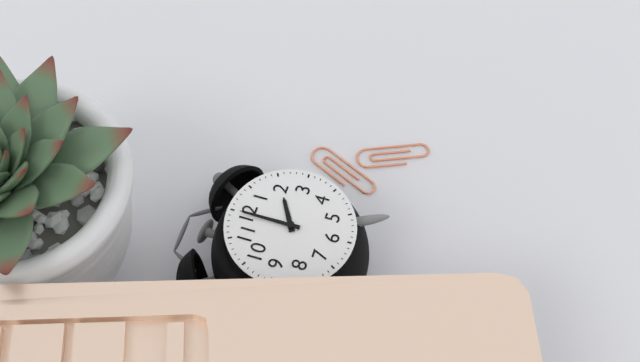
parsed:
2:00
